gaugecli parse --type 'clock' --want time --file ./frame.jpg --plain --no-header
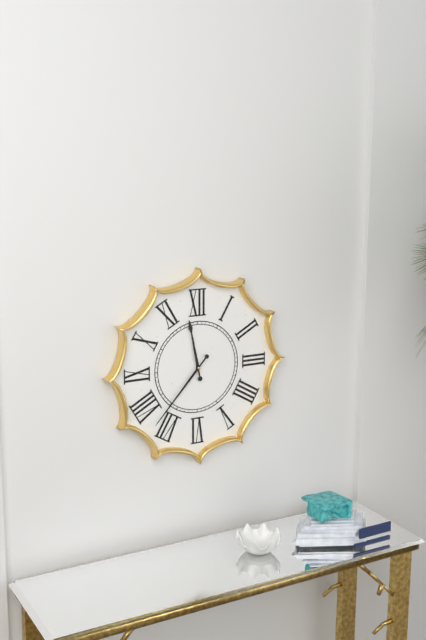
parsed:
11:37
